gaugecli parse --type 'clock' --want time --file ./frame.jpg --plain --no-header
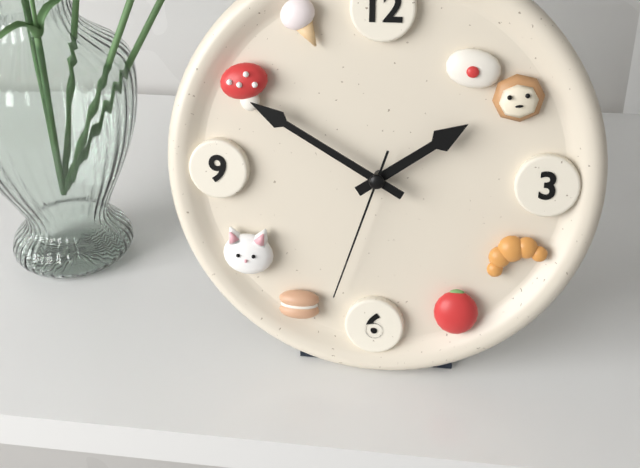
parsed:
1:50:33
